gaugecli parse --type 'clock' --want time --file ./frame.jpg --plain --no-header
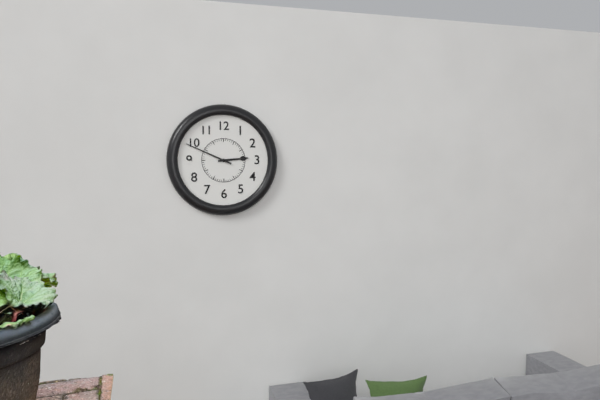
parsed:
2:49
